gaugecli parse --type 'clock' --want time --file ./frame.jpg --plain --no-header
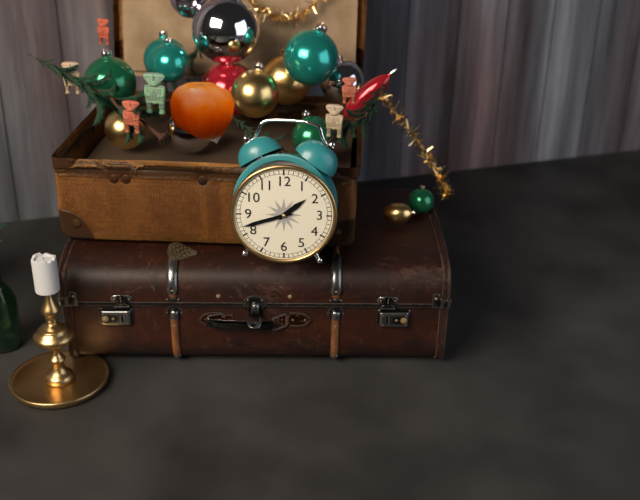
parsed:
1:42
